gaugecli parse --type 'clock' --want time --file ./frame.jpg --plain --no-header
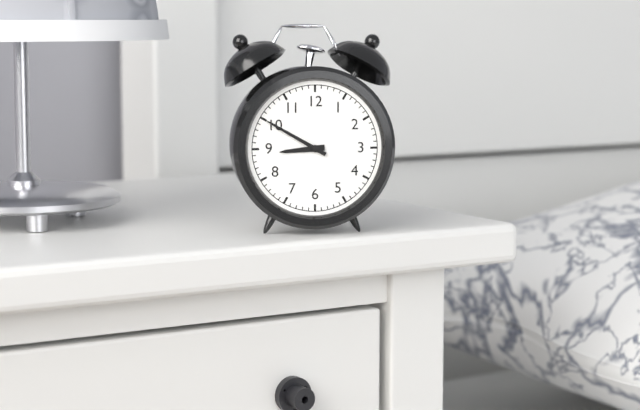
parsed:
8:50
